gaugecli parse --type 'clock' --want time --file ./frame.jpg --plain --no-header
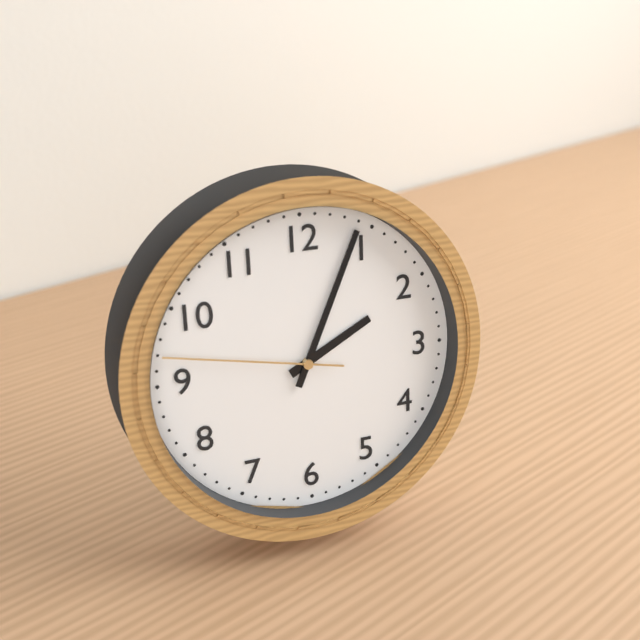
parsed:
2:04:47
